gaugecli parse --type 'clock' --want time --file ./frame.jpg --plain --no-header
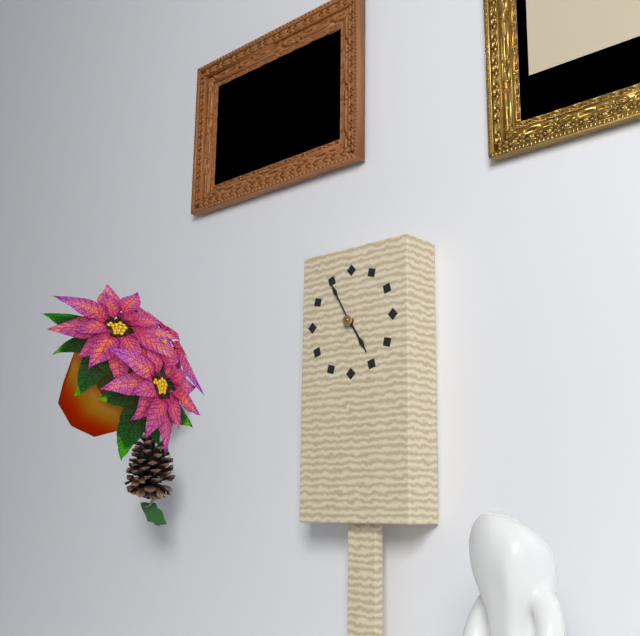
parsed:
4:55
